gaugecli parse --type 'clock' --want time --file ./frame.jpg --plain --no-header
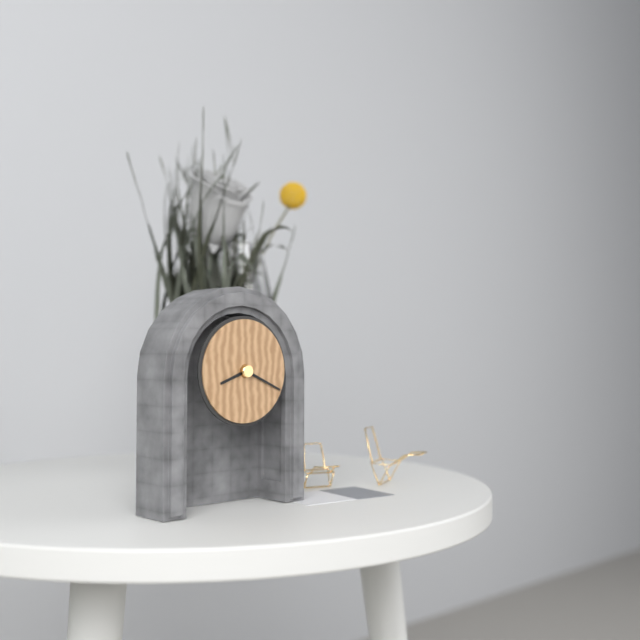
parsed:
8:19
